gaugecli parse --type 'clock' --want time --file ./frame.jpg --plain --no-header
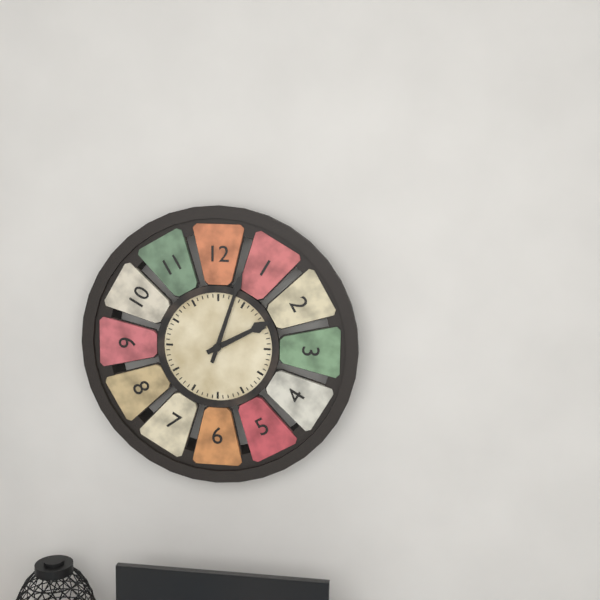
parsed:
2:03
